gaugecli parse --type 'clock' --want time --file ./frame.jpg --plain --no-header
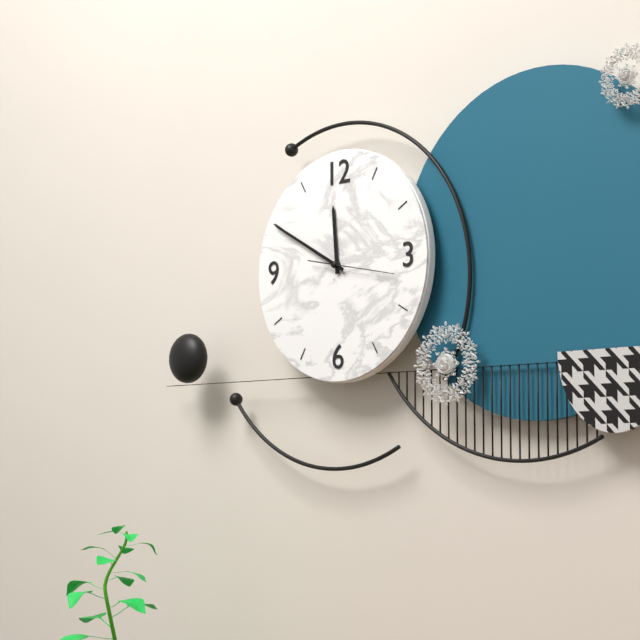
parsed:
11:50:17
